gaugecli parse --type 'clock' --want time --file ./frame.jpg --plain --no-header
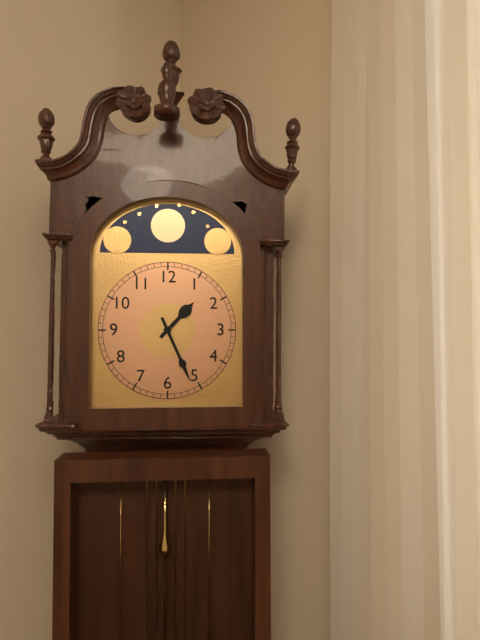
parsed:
1:26
